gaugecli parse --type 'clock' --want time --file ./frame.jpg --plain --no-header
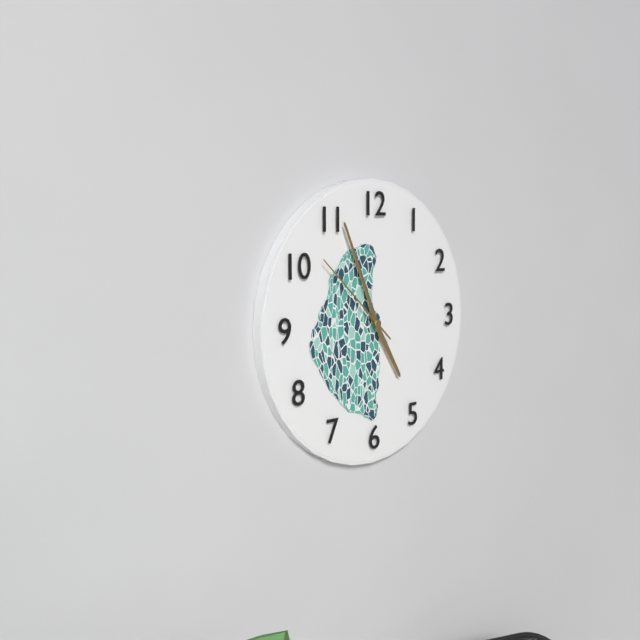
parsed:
4:56:52
